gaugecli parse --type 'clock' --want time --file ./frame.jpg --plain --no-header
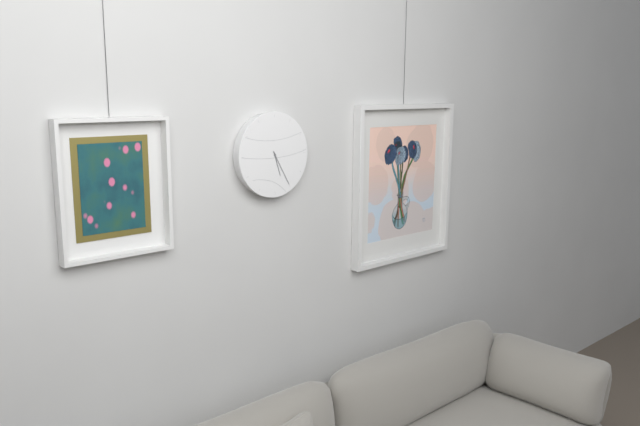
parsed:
5:25
